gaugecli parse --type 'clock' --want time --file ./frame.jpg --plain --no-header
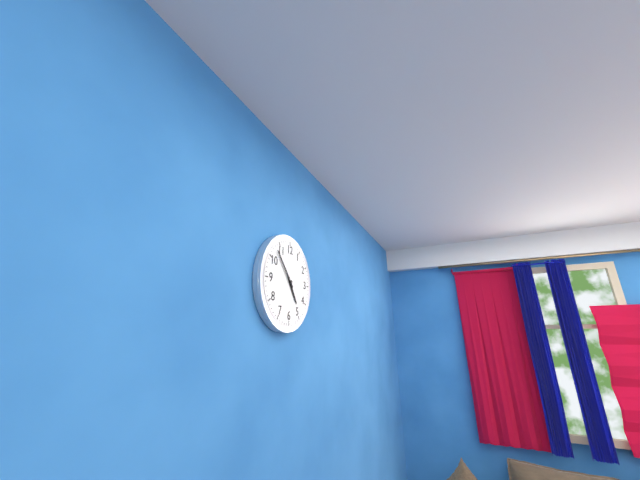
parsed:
4:53
